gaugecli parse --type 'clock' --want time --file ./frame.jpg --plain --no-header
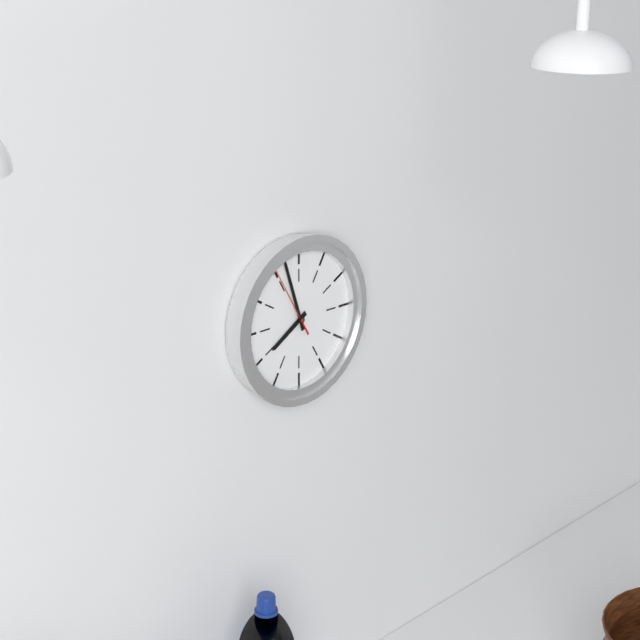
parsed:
7:57:55
